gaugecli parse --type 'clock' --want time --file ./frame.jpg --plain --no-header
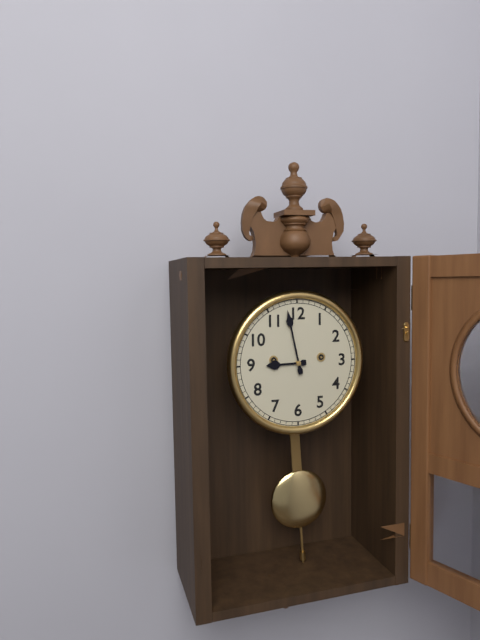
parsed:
8:58
